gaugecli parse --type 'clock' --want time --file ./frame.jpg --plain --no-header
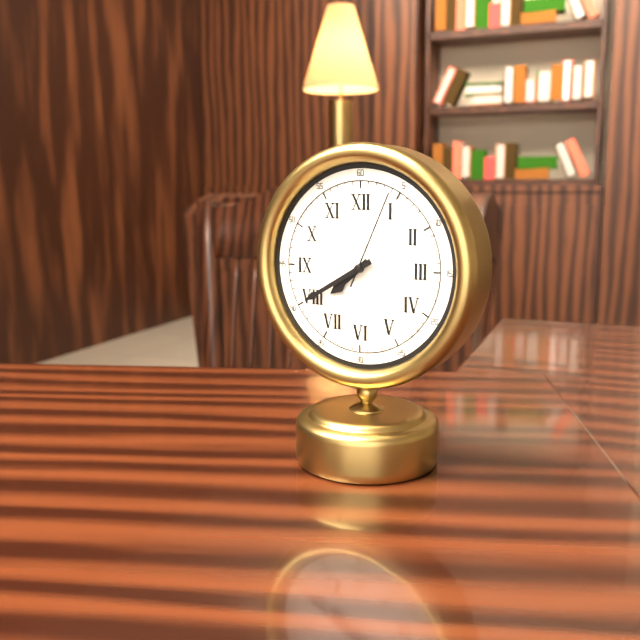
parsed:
7:40:04
